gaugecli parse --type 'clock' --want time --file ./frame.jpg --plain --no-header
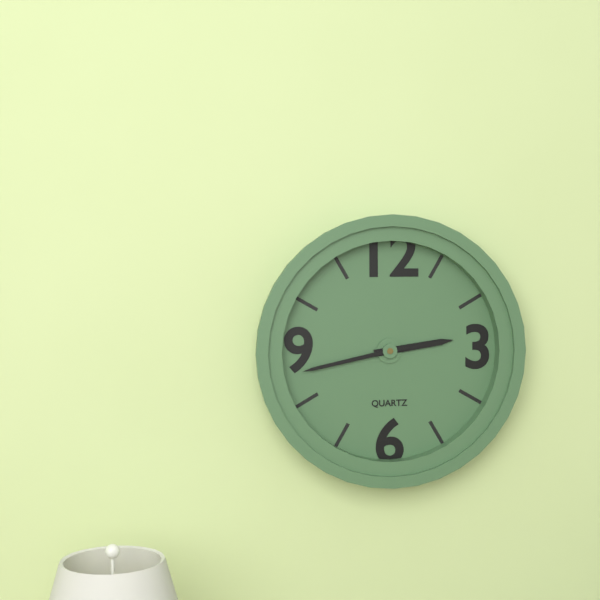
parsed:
2:43
